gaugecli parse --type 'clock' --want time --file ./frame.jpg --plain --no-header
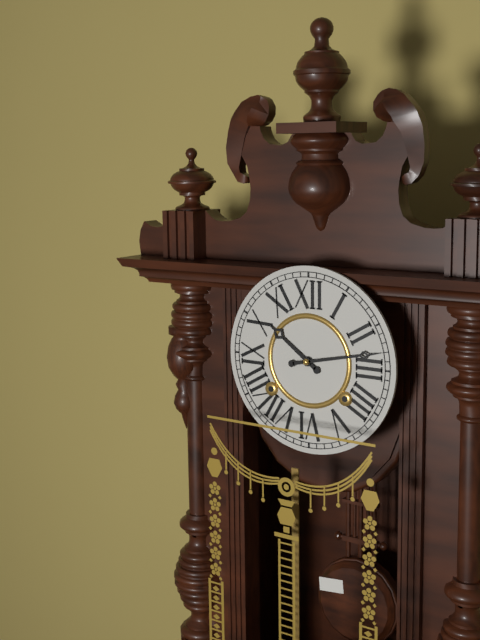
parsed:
10:13
